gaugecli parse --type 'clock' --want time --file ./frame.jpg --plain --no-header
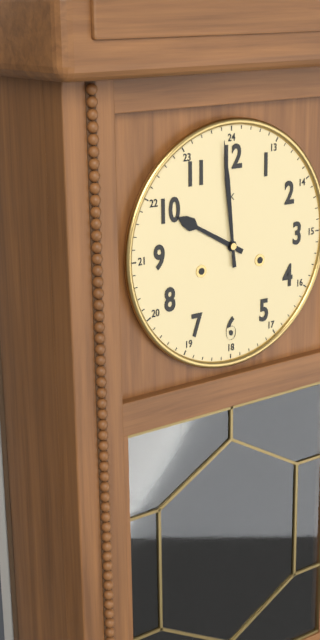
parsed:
9:59
